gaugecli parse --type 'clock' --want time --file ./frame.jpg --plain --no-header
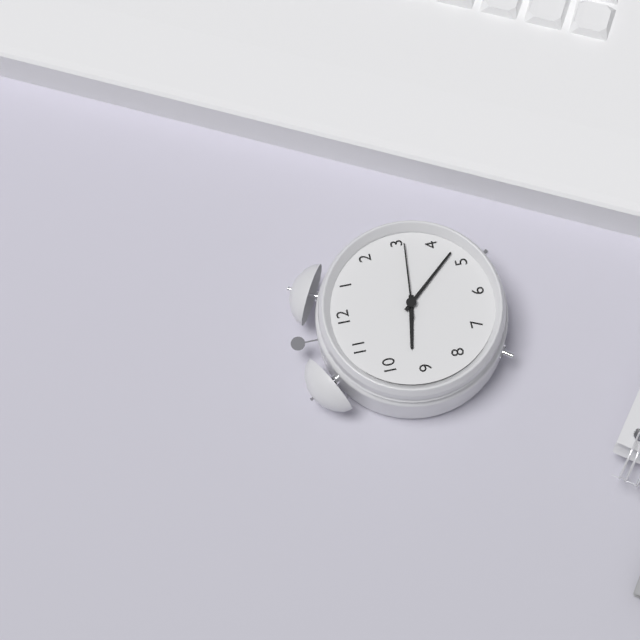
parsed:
9:23:16
